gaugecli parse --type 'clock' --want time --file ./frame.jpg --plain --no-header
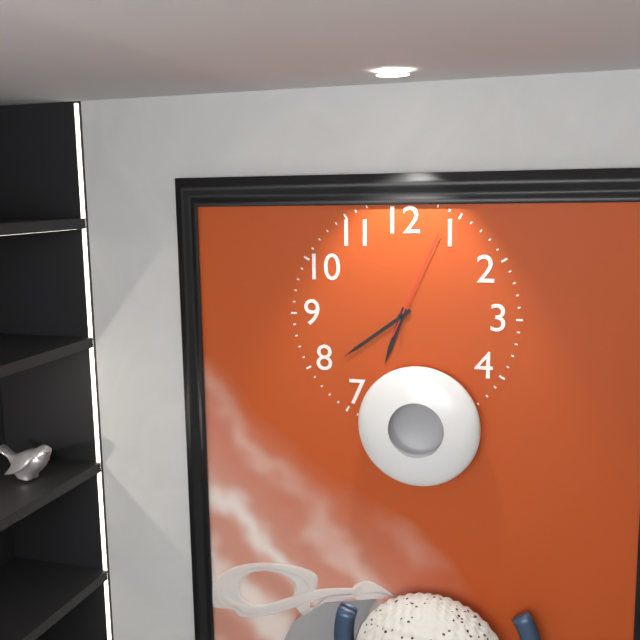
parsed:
6:39:04
